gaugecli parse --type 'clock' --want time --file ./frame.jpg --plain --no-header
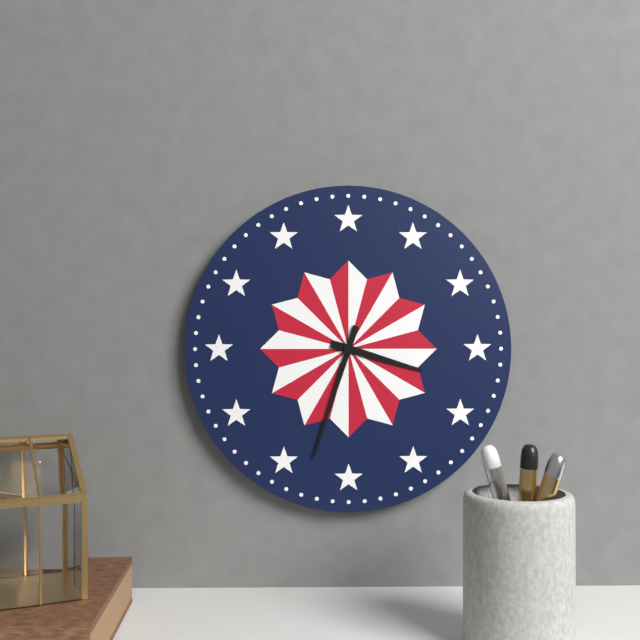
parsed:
3:33
